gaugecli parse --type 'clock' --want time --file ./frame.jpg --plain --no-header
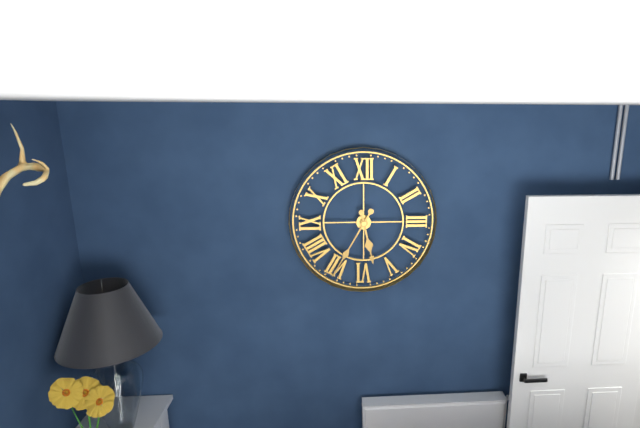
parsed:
5:35
